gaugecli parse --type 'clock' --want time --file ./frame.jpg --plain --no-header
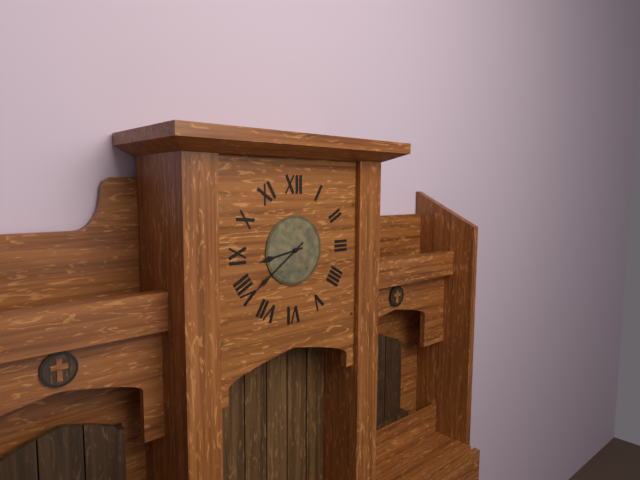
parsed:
8:39
